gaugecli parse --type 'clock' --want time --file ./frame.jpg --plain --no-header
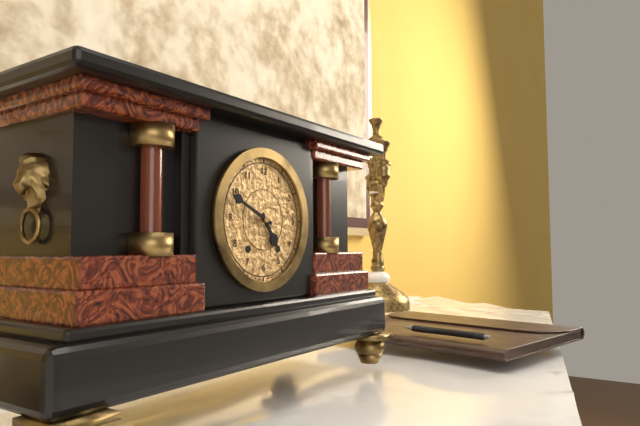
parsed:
4:49
